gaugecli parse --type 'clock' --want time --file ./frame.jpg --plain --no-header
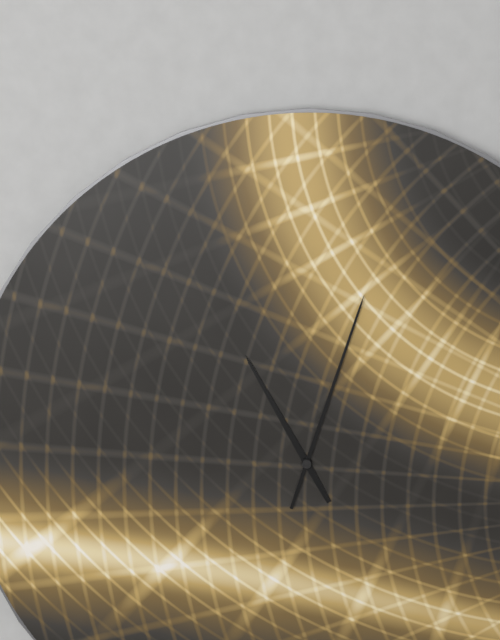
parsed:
11:03
